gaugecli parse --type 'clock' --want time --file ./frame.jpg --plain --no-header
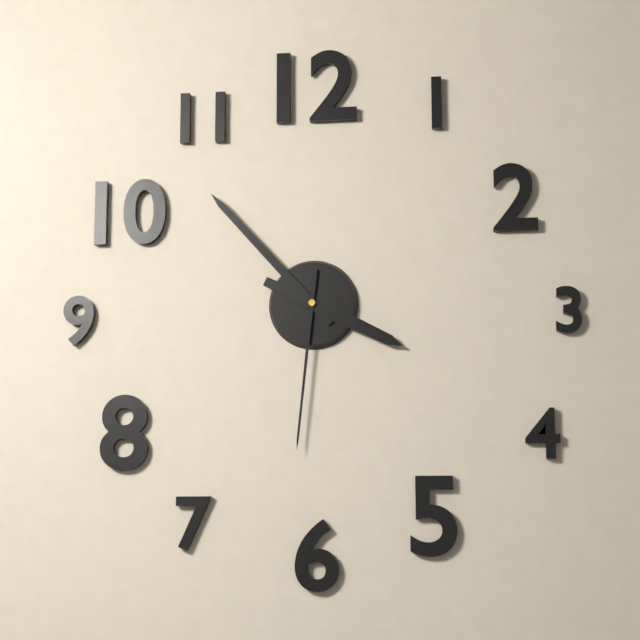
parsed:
3:53:31
